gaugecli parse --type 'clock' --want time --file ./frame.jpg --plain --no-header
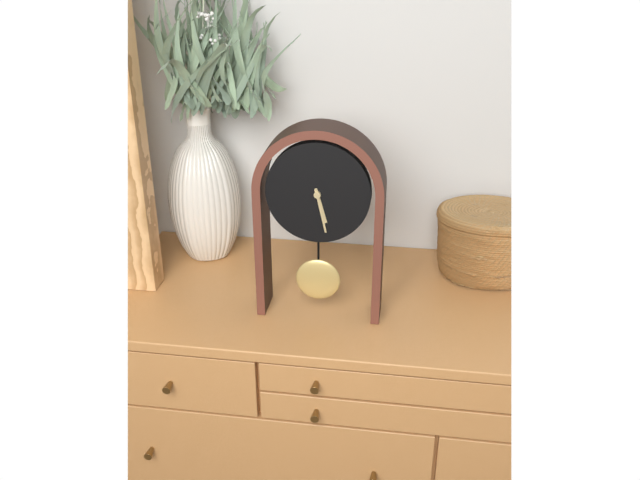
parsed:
5:28
